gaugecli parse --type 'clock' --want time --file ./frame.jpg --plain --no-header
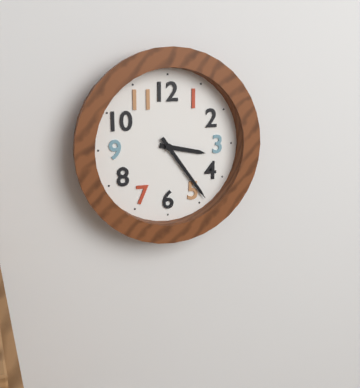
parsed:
3:24
